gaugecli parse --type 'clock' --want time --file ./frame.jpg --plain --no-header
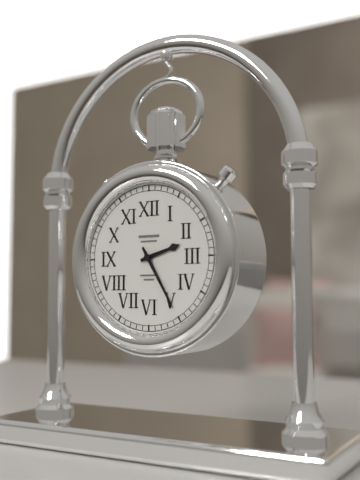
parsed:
2:25
